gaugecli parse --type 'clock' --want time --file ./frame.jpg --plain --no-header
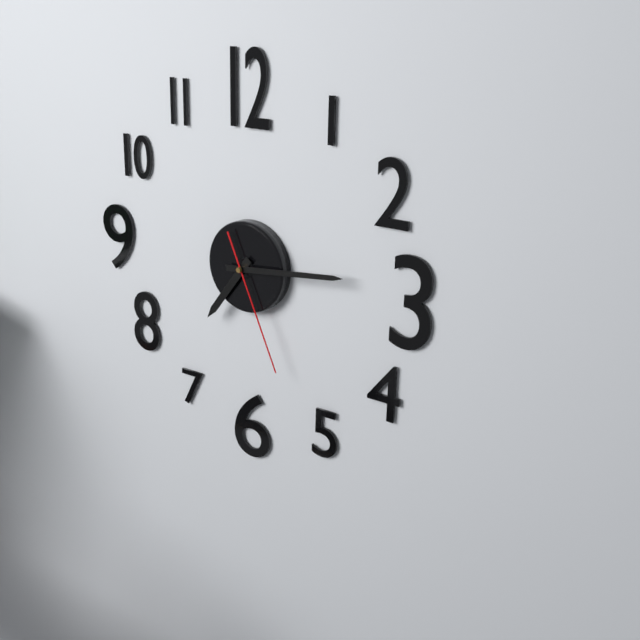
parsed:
7:14:26
